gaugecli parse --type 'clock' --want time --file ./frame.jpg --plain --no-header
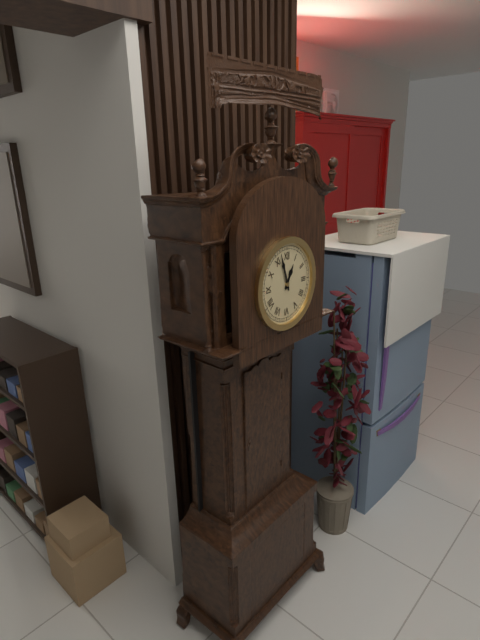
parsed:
12:57
